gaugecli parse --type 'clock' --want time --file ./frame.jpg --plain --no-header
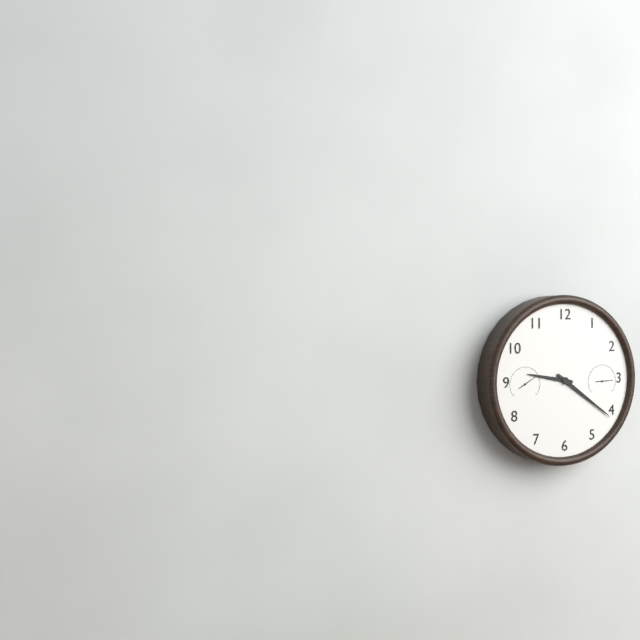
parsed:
9:21
